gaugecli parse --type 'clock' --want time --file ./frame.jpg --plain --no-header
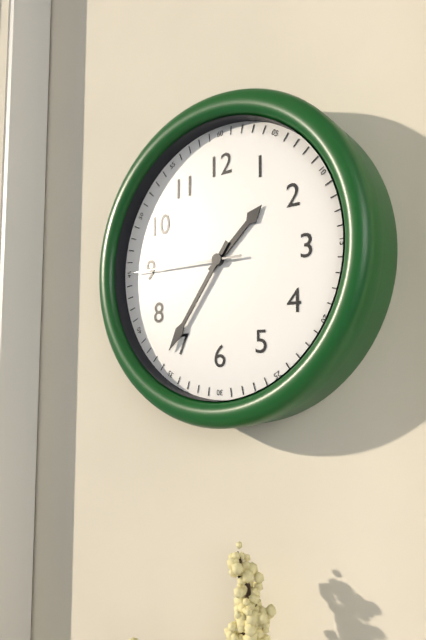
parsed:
1:36:45
